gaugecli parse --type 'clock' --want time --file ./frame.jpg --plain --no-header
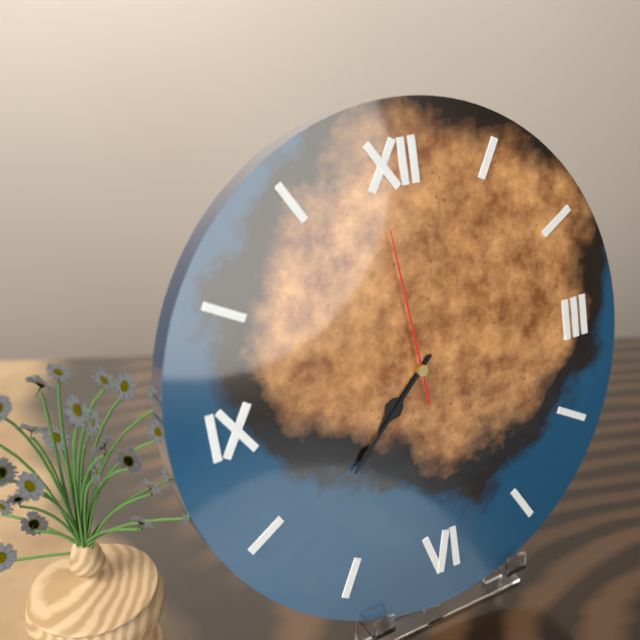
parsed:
7:38:59
